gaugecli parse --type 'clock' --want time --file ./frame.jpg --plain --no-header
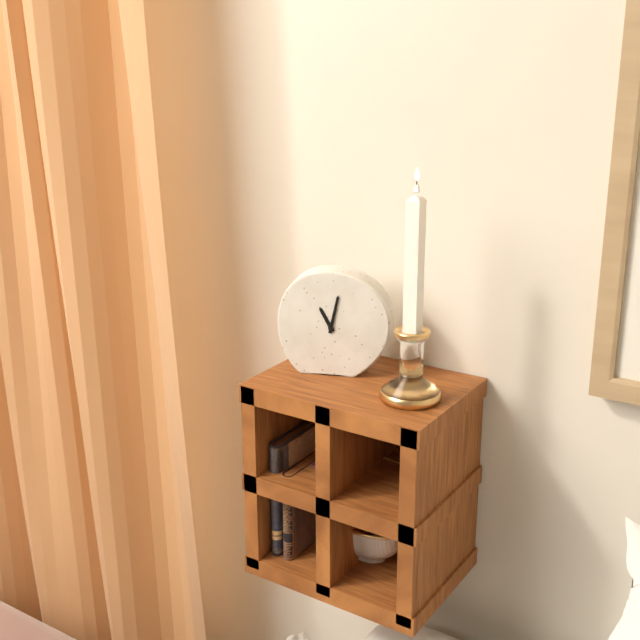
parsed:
11:02
